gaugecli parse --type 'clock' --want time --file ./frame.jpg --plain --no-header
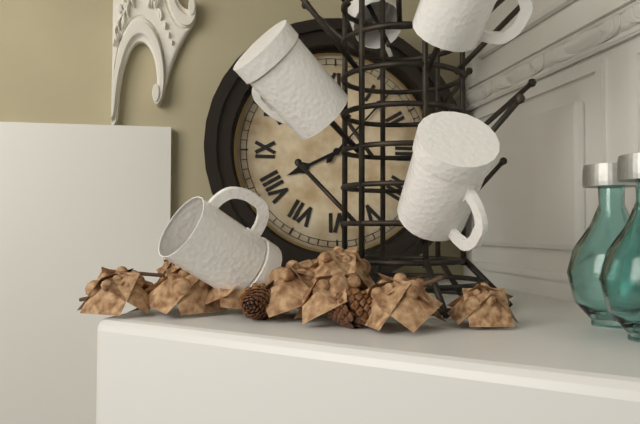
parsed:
8:07
